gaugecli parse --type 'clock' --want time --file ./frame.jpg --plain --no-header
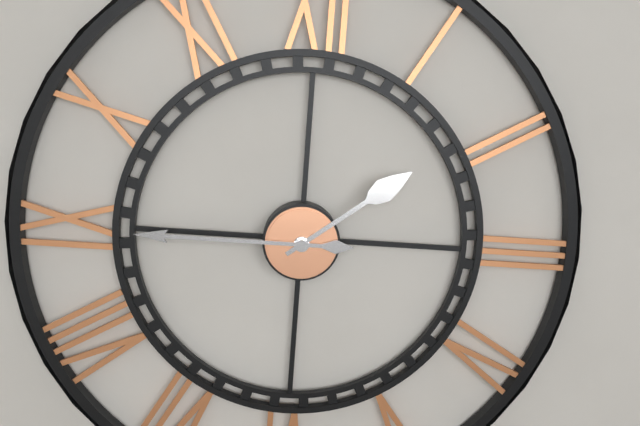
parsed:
1:45
